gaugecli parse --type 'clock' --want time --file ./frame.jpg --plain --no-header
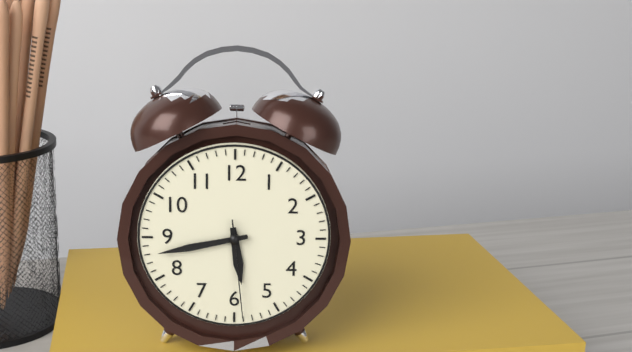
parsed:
5:43:29
